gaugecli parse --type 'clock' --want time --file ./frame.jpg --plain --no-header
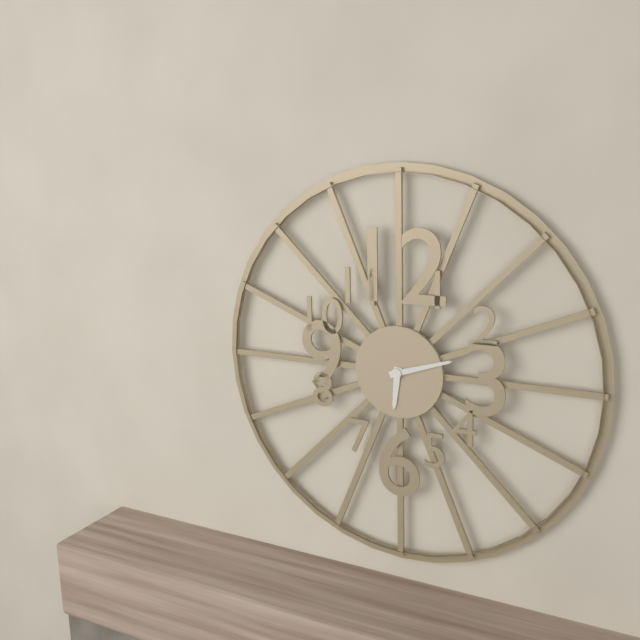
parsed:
6:12
